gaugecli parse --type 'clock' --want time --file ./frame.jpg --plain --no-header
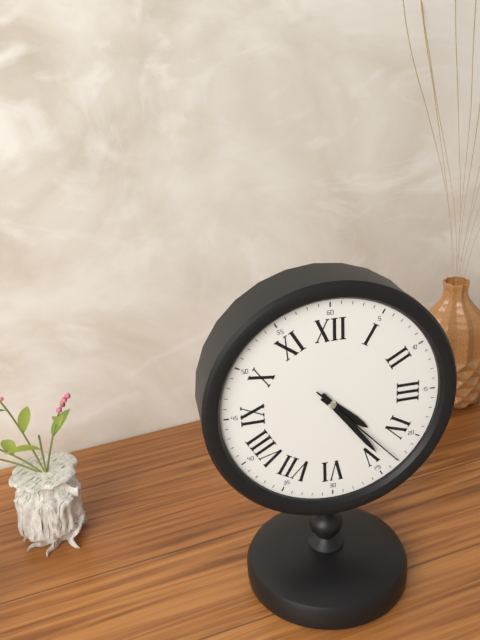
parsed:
4:24:23
